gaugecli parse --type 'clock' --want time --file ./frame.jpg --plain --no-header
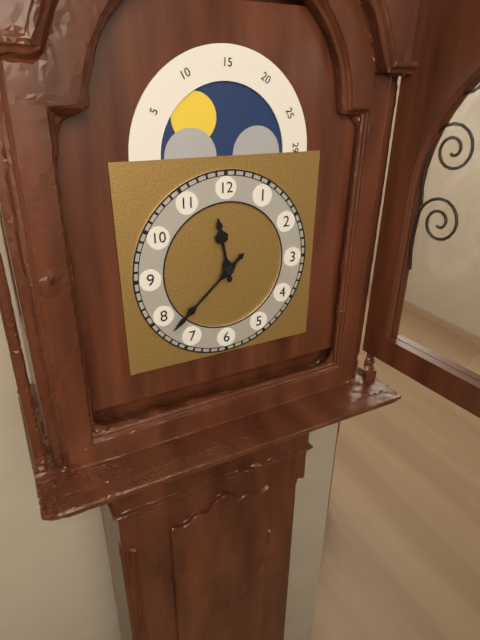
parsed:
11:38
